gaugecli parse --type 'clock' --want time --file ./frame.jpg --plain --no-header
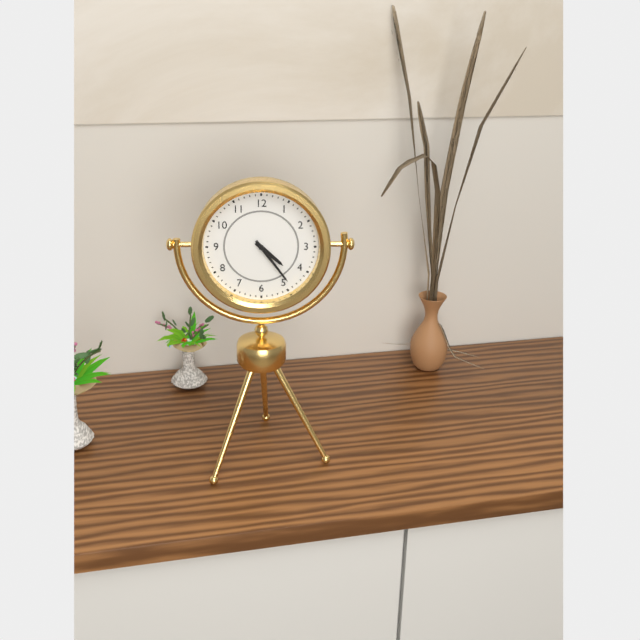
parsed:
4:24
